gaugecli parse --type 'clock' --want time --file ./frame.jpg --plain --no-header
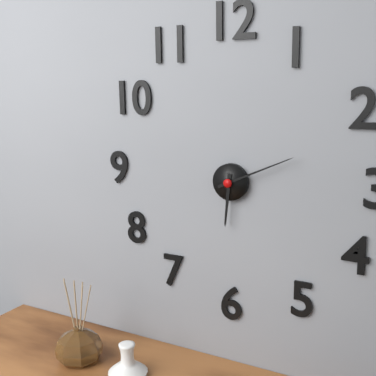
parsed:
6:11
